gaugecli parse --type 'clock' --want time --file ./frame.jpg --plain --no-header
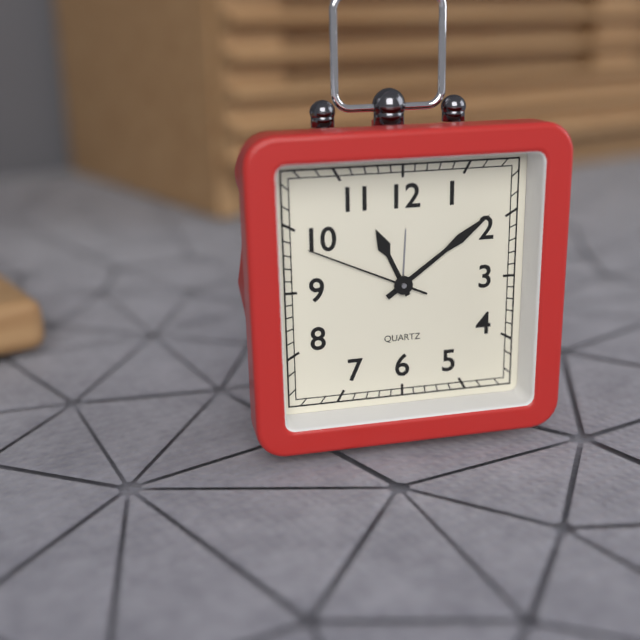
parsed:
11:09:49
